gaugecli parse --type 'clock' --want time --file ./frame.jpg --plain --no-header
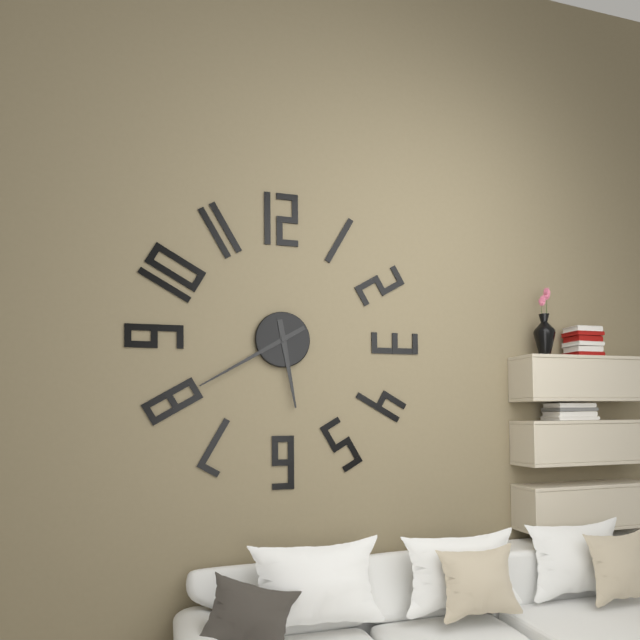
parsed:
5:40
